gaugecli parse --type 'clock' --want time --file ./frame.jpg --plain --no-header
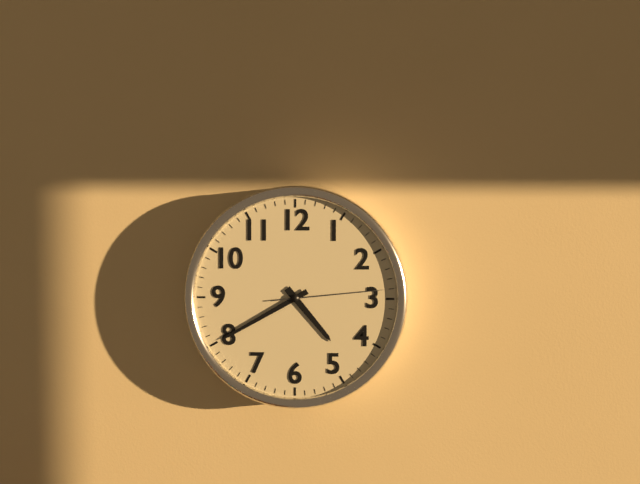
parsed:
4:40:14
